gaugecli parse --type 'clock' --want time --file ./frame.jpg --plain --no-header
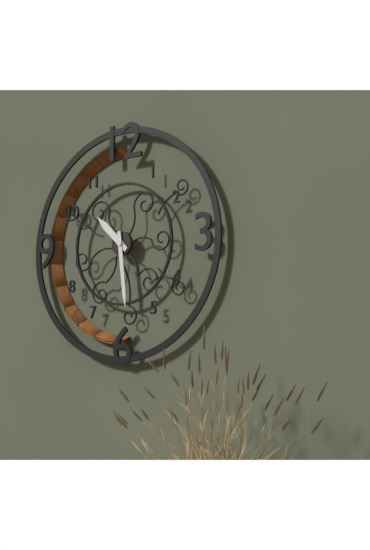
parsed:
10:29
